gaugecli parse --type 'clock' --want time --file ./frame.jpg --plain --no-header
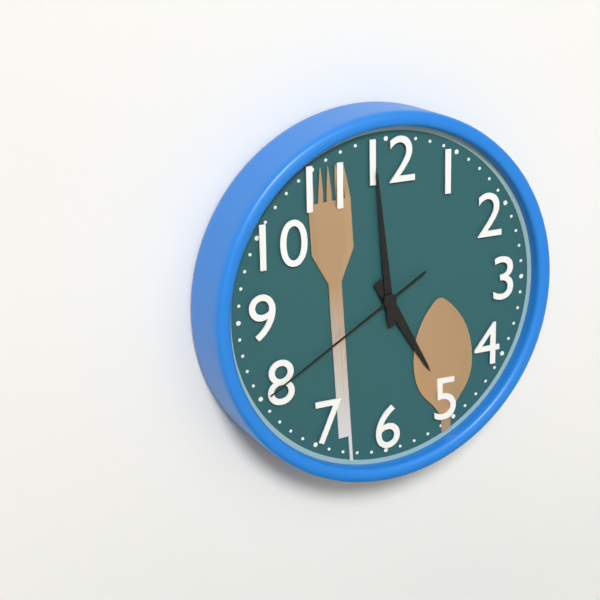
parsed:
4:59:40
